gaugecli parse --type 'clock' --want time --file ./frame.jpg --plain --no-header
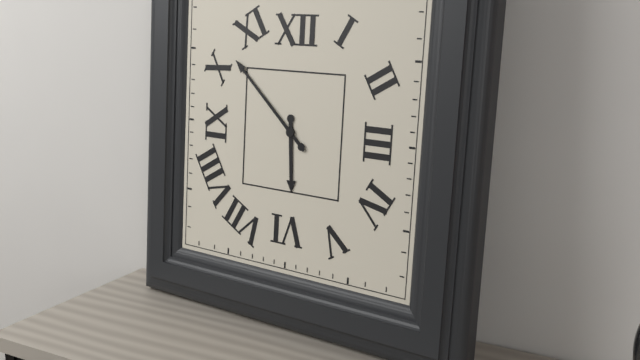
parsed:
5:52
